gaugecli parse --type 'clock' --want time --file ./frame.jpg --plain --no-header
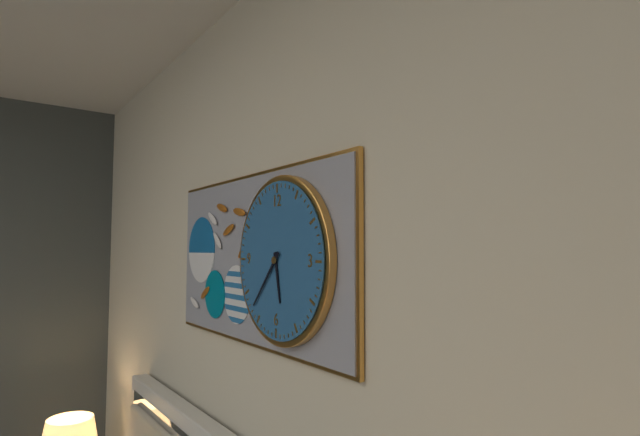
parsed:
5:37
